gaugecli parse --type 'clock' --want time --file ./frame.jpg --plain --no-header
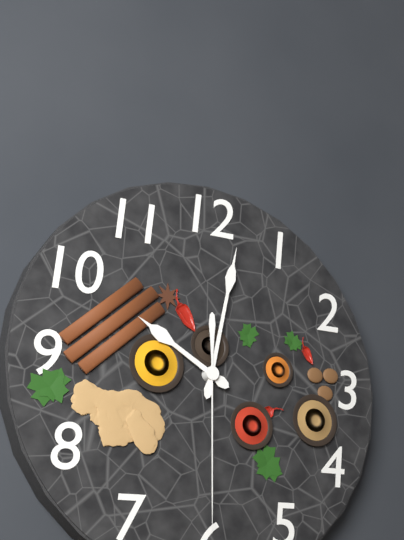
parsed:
10:02:30
